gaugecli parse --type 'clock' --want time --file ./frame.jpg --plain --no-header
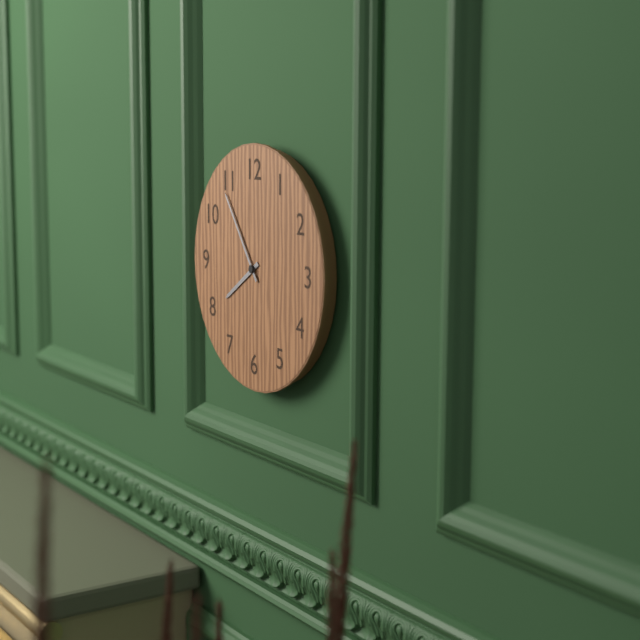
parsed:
7:54
